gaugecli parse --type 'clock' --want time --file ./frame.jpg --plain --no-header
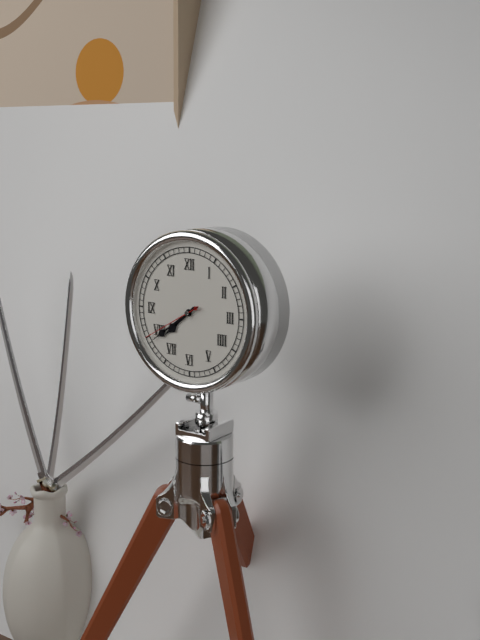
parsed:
7:39:40
